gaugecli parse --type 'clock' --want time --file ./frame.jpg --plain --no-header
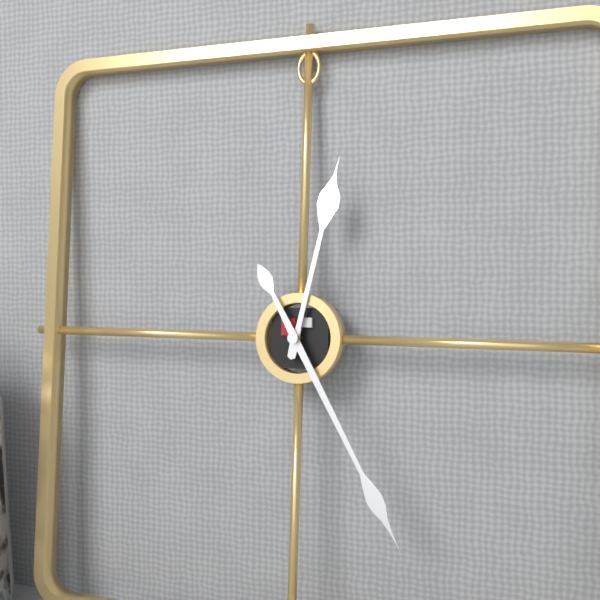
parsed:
12:25
